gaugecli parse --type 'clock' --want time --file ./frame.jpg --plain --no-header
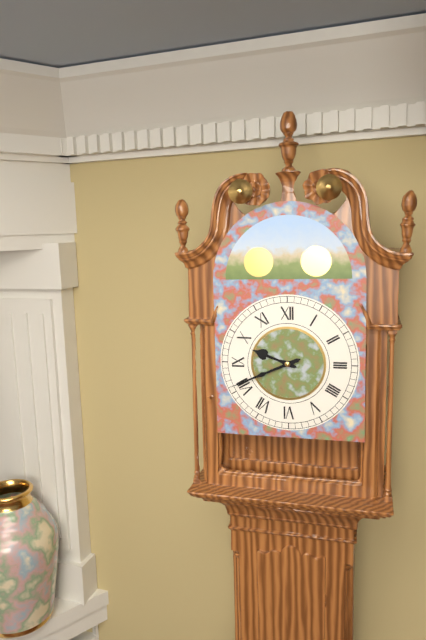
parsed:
9:41
